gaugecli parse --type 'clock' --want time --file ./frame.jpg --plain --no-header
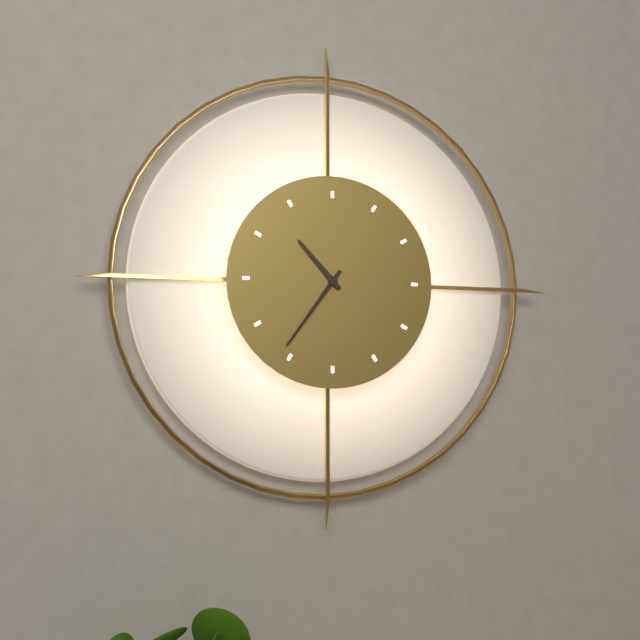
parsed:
10:36
